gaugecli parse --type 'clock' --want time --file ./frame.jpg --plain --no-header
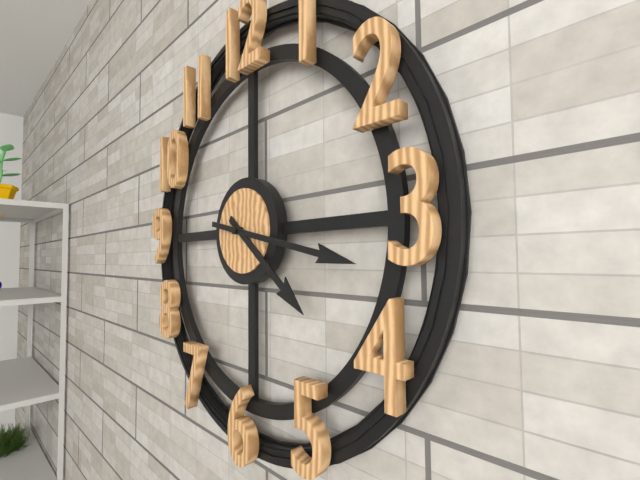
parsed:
4:17
